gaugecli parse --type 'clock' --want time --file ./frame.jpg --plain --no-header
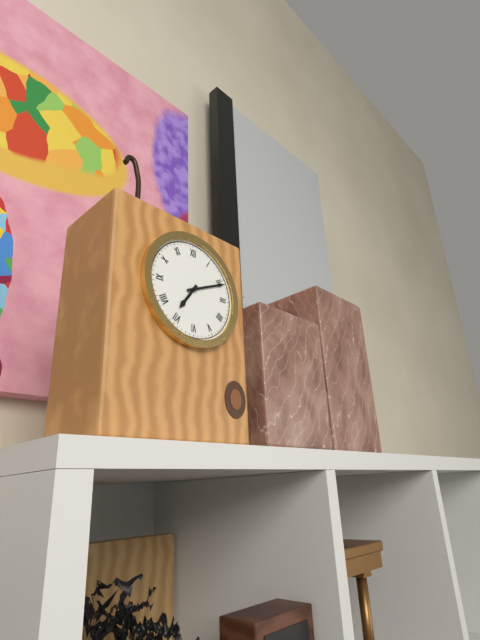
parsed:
7:11
